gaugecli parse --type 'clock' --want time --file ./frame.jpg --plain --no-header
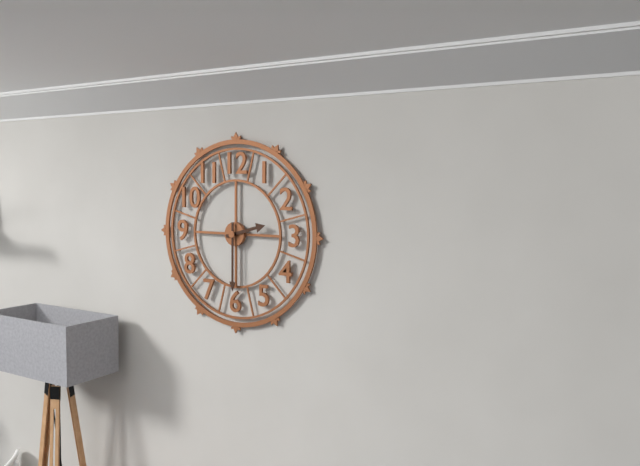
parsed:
2:30
